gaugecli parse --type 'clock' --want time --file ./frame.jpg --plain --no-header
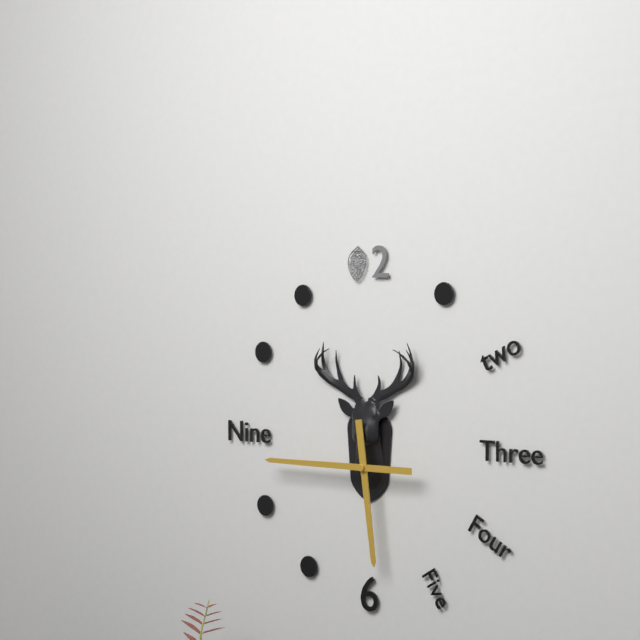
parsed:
5:45
